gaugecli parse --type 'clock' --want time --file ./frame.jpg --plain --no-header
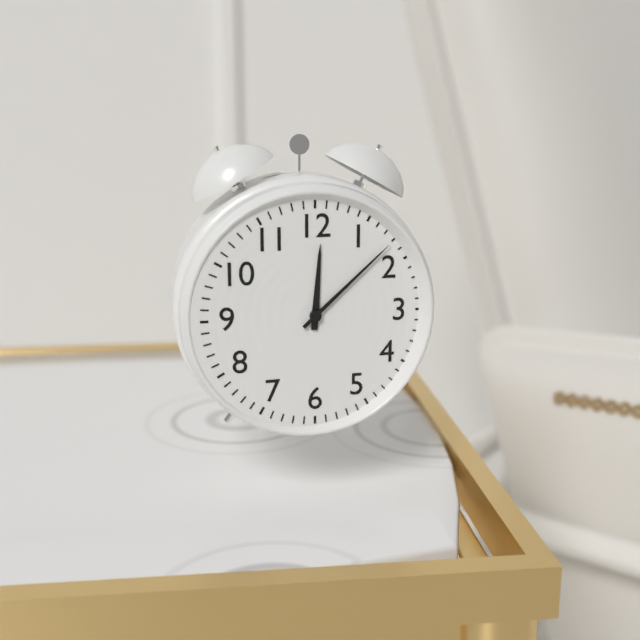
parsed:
12:08
